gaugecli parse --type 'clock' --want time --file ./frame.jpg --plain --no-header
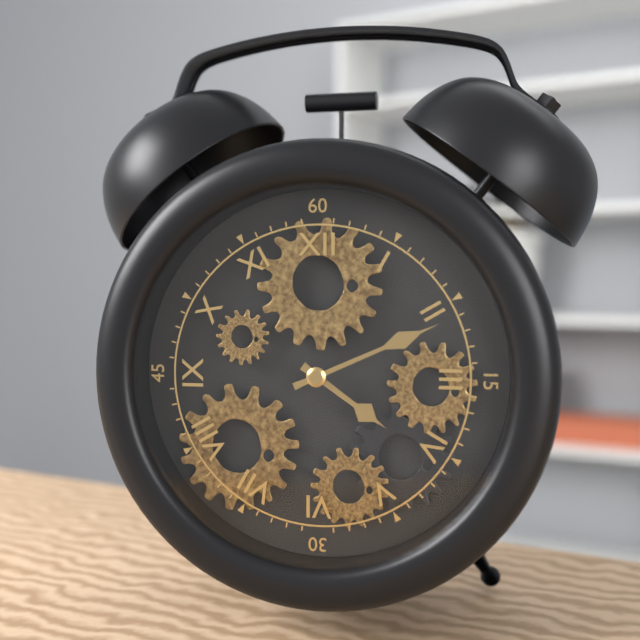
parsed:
4:11
